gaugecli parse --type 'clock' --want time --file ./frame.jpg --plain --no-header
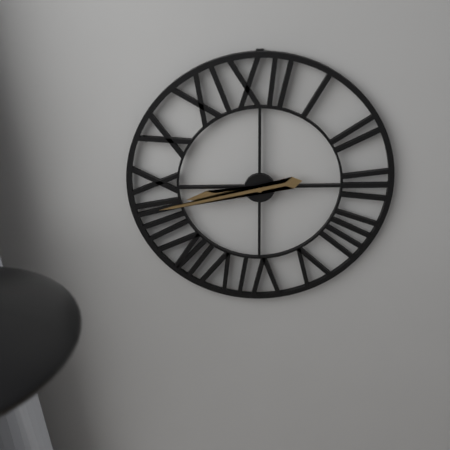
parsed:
8:43
